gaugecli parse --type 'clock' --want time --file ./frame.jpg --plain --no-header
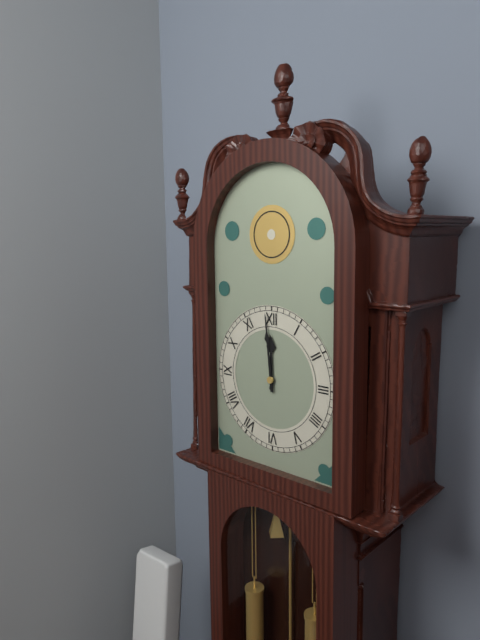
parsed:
11:59
